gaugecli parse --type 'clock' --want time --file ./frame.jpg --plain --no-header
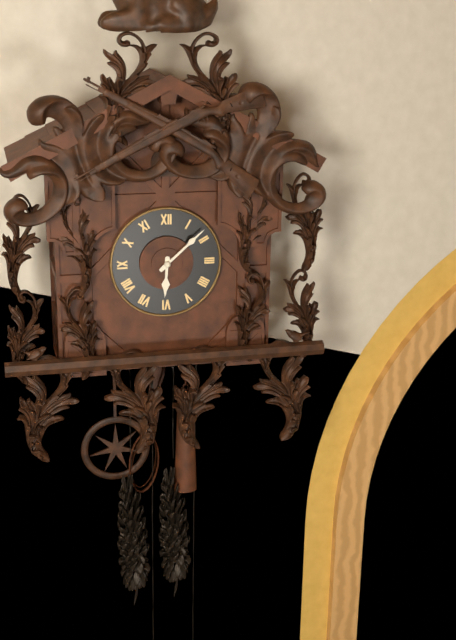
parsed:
6:08
